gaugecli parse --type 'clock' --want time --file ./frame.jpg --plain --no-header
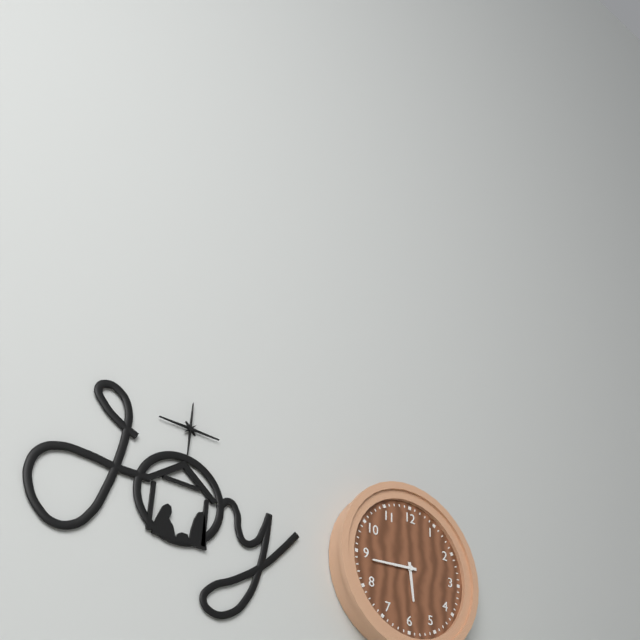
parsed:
5:44
